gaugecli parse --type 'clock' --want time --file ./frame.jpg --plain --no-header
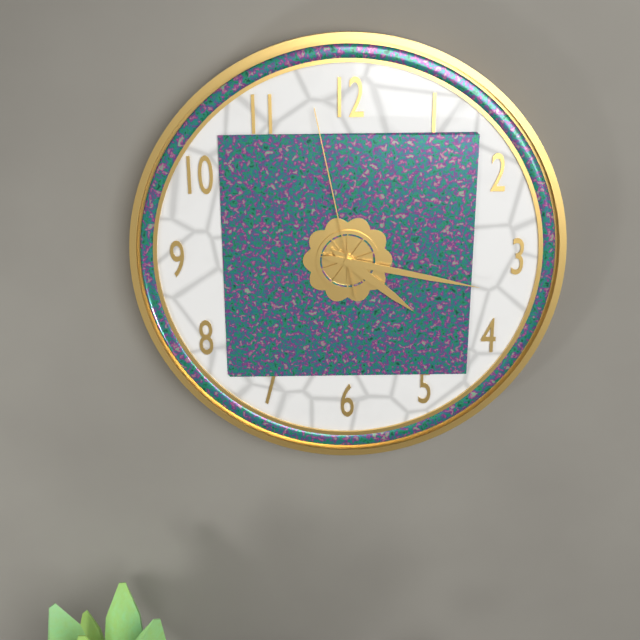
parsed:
4:17:58
